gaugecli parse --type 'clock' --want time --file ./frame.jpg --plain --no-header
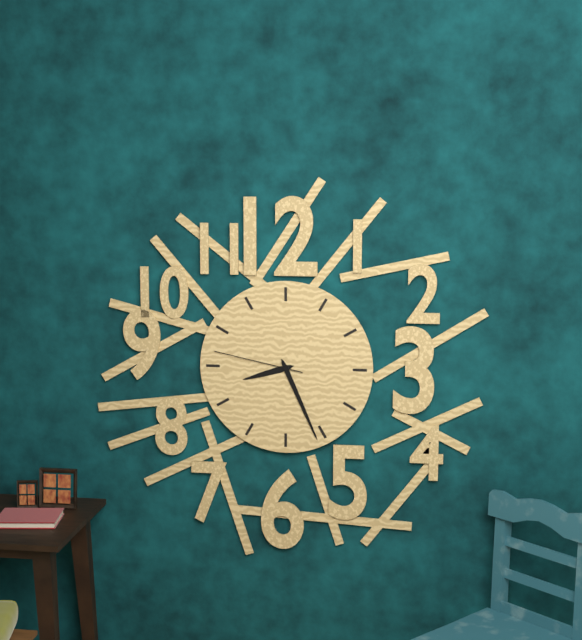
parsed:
8:26:47
